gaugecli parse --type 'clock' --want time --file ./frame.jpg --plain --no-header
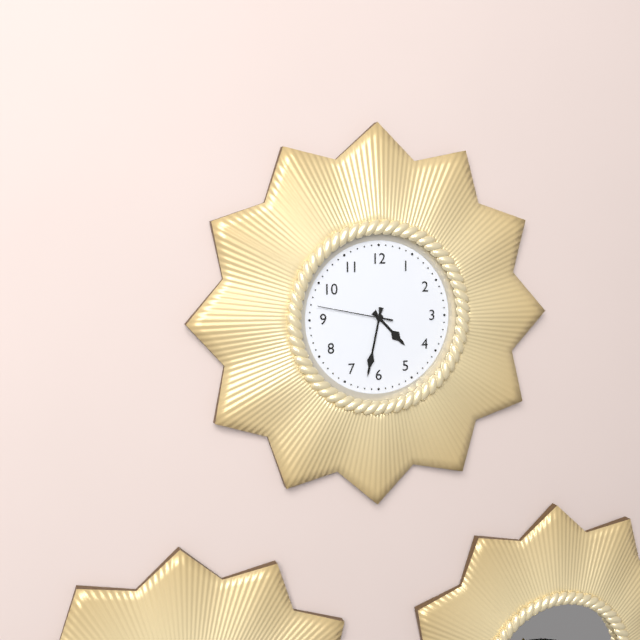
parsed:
4:32:47
